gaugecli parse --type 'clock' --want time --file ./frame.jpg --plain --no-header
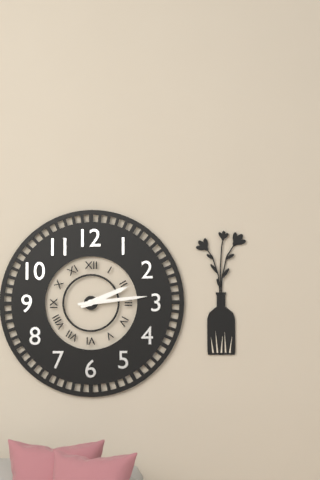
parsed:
2:14
